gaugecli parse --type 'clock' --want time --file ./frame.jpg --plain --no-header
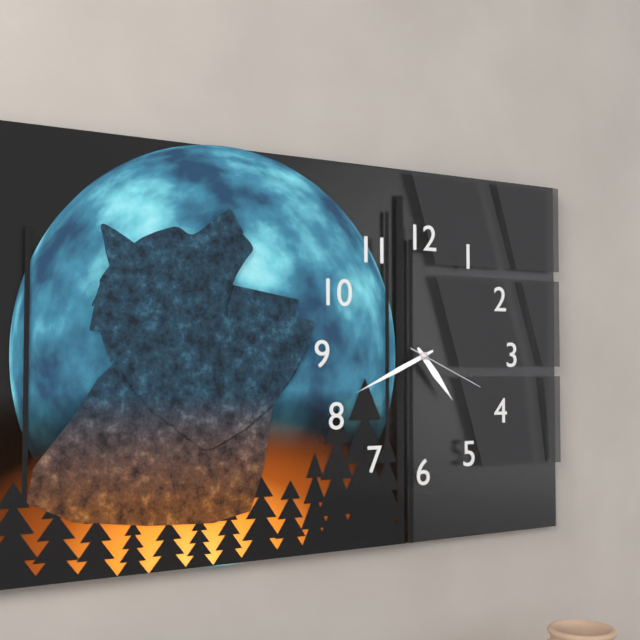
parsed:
4:41:19
